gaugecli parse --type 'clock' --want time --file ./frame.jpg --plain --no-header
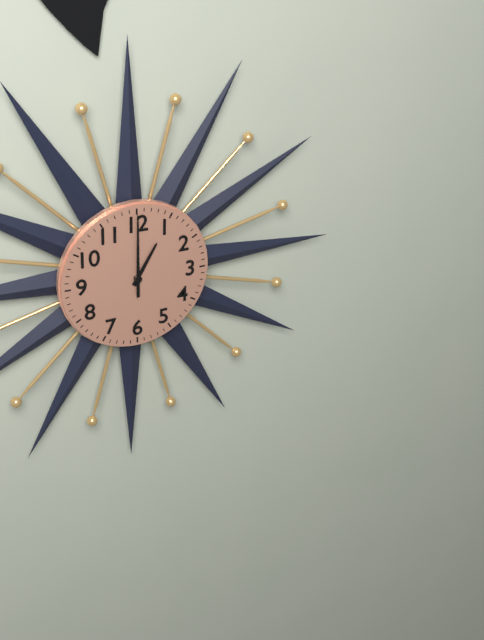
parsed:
1:00
